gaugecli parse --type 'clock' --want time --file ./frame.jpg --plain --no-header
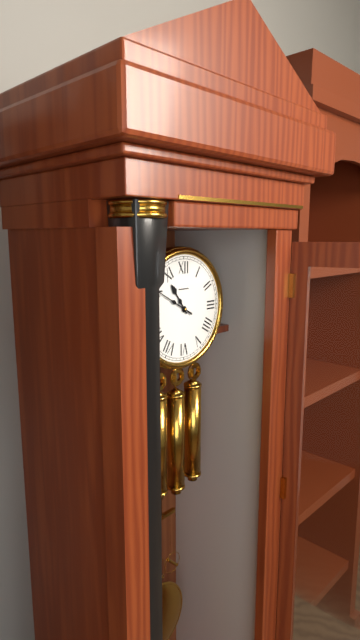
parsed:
10:50
